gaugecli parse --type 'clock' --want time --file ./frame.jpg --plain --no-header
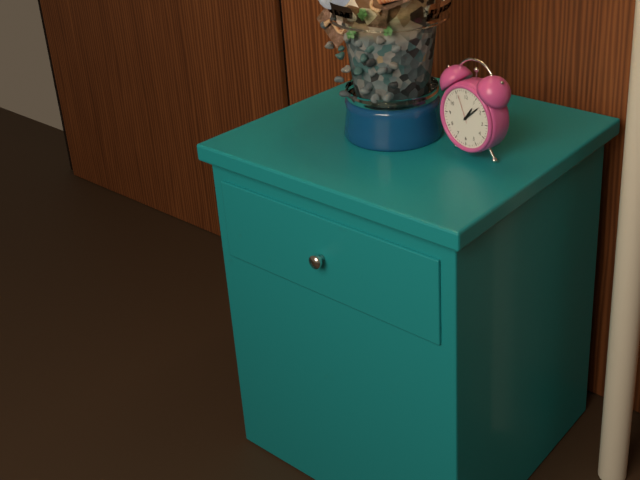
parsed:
1:08
